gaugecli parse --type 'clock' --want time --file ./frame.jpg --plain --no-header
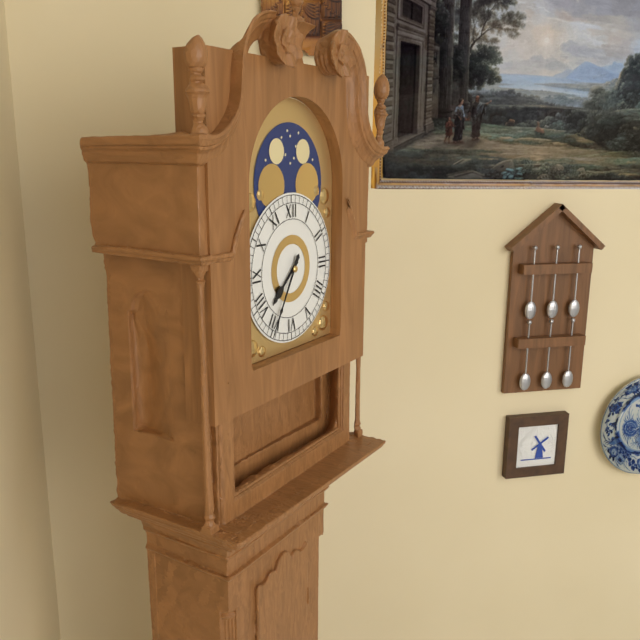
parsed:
7:35
